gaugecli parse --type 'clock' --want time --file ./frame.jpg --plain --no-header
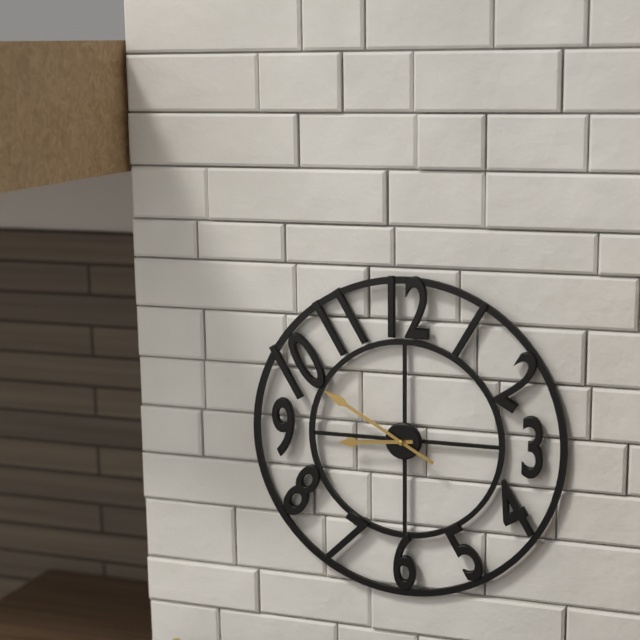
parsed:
8:50
